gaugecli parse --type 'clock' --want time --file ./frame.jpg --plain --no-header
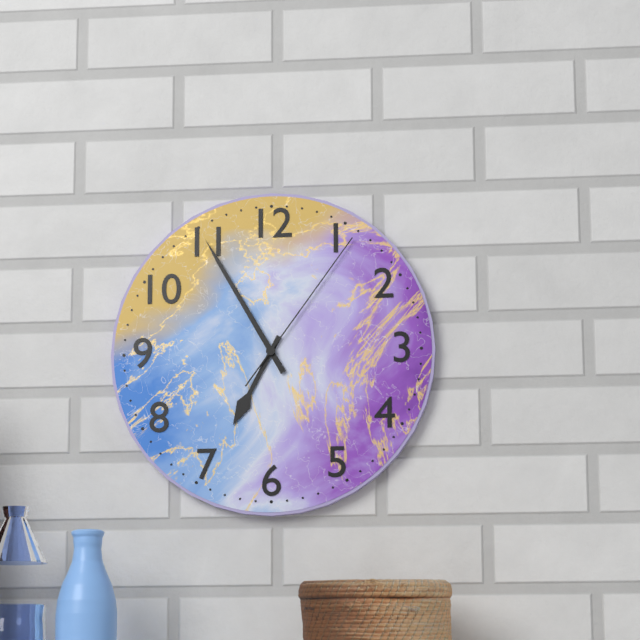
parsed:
6:55:06
